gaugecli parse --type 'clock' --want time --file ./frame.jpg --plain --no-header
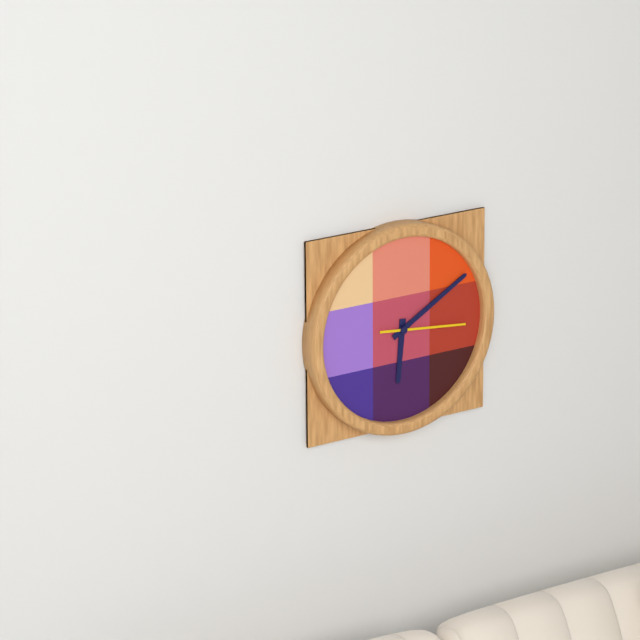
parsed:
6:10:16
